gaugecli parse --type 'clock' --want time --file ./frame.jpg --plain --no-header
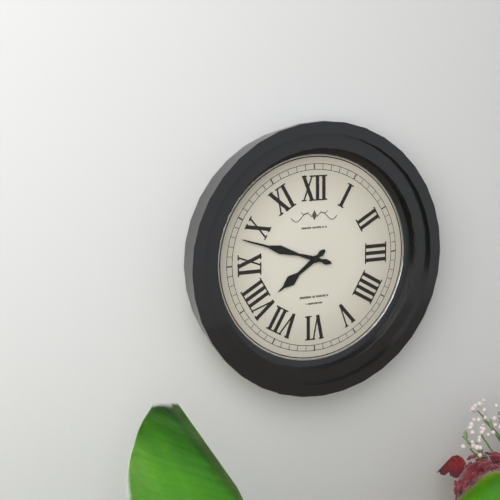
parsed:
7:48
